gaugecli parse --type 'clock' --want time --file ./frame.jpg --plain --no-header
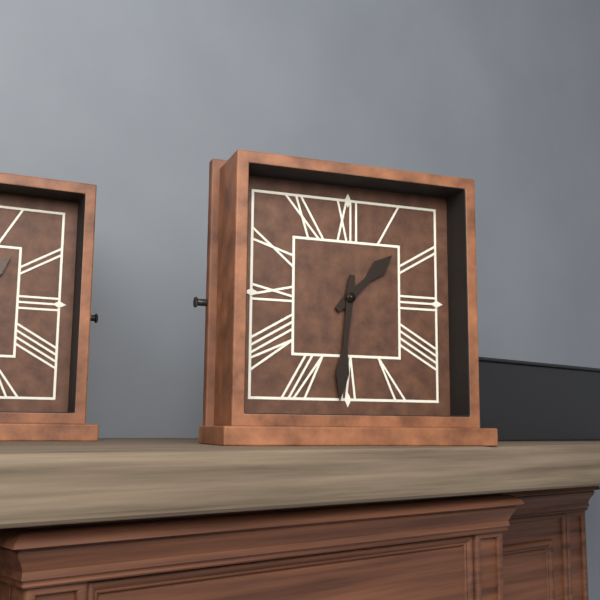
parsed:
1:31
